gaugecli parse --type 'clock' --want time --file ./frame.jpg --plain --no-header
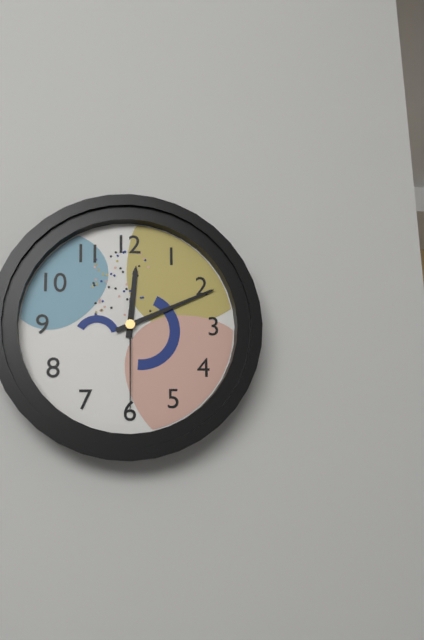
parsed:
12:11:30
